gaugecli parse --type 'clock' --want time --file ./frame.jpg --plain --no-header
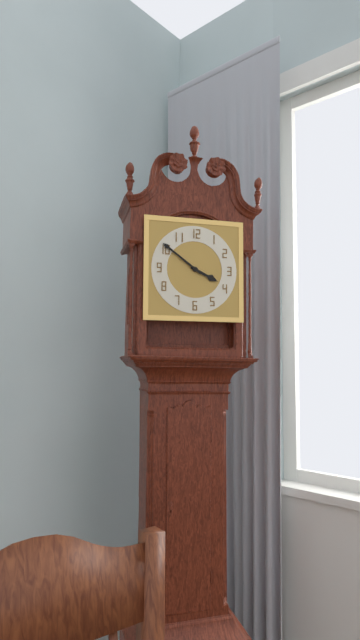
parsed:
3:51
